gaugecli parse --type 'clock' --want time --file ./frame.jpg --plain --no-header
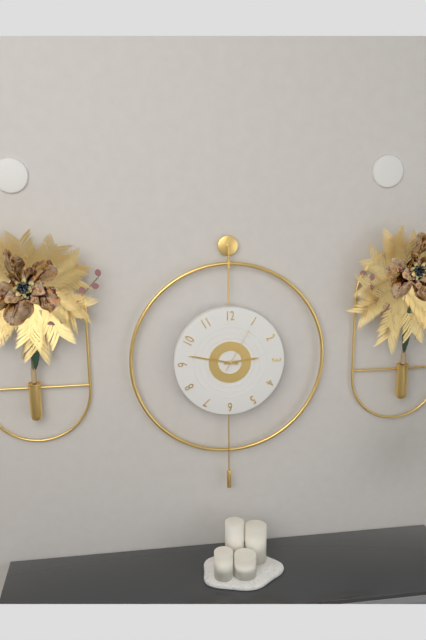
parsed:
2:47
